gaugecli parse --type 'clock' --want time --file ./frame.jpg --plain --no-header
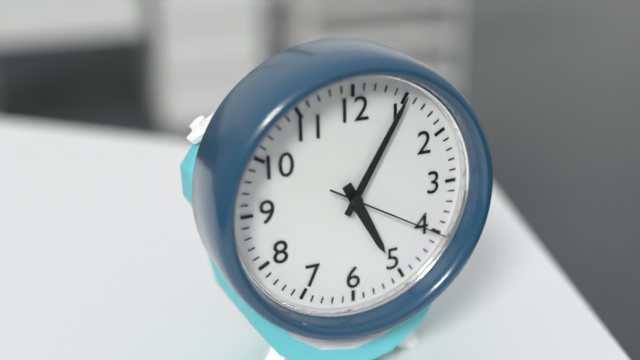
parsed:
5:05:20
